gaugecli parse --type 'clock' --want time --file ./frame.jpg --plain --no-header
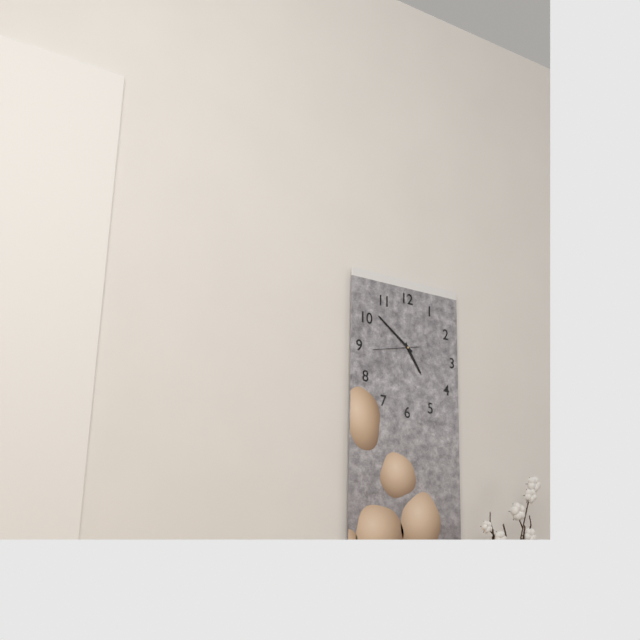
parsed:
4:51
